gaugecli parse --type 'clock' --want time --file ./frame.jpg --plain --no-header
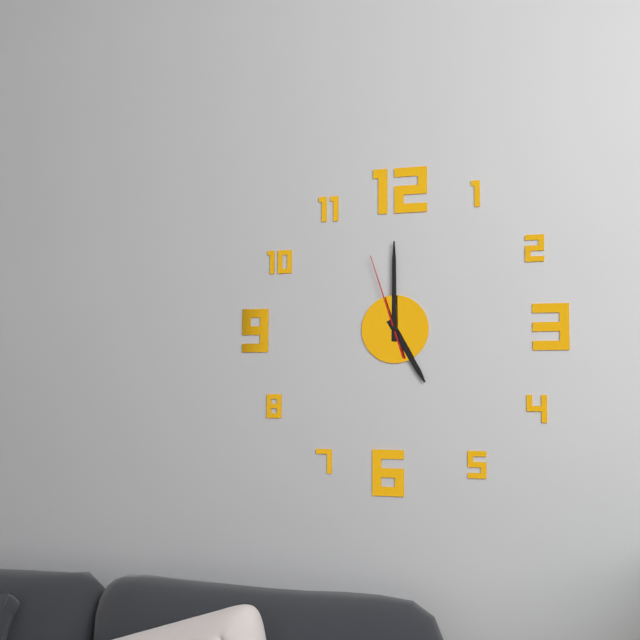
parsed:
5:00:57
